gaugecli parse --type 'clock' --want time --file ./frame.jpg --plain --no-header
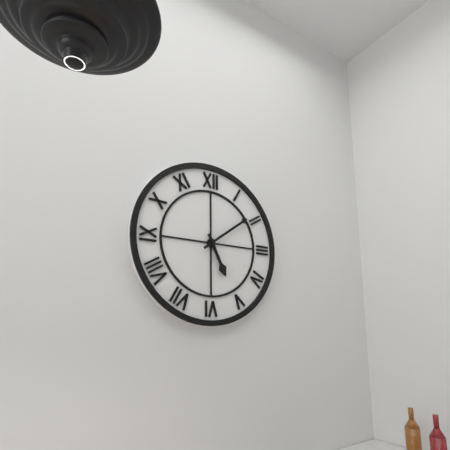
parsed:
5:09
